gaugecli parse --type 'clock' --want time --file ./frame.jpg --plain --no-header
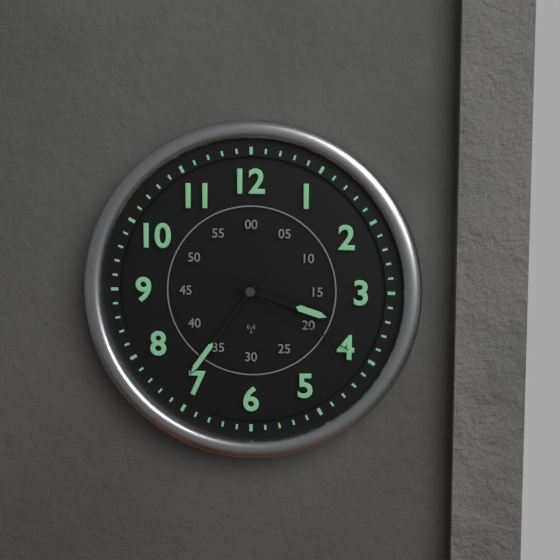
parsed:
3:36:20
